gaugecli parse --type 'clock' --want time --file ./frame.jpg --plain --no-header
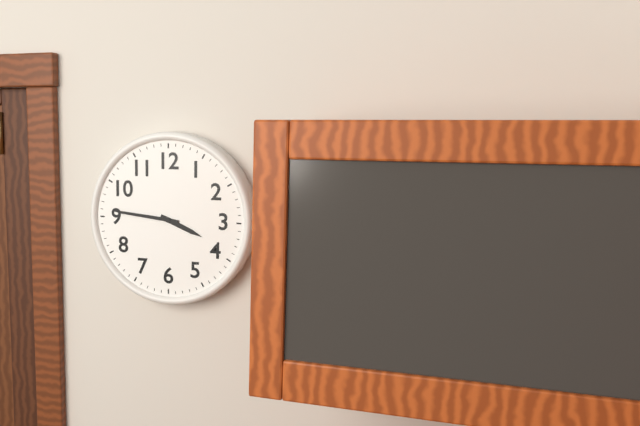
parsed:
3:46
